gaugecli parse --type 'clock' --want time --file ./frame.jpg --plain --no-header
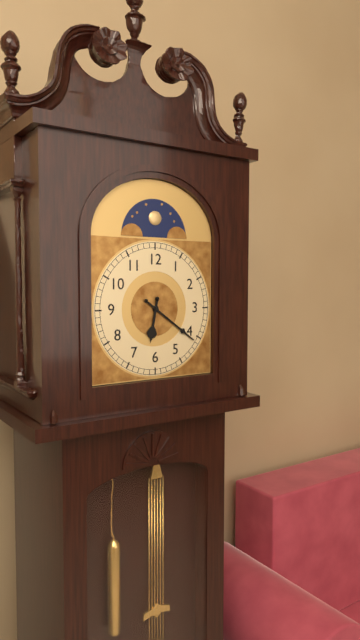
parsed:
6:21
